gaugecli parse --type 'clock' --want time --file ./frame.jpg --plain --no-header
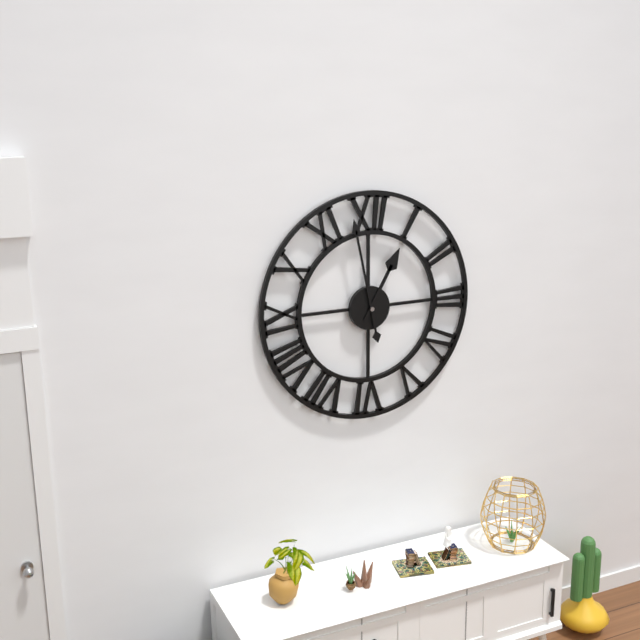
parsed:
12:58
